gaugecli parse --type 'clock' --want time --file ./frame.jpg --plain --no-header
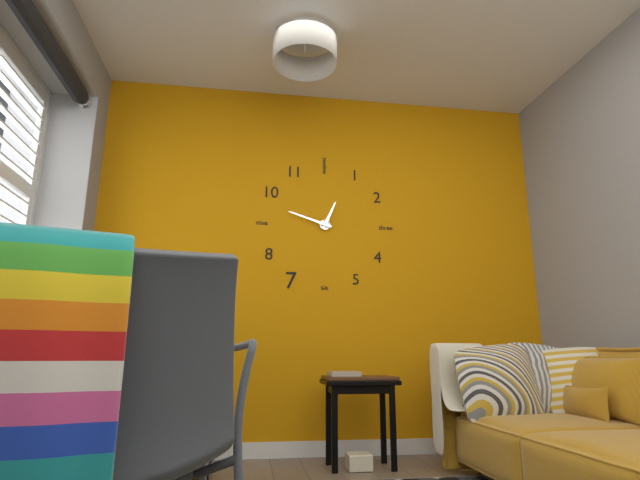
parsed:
12:48
